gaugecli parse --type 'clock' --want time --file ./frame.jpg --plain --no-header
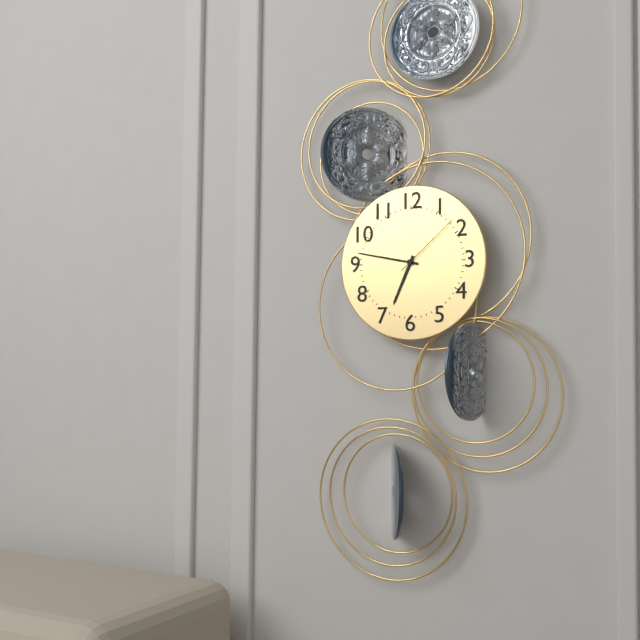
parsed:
6:47:08
